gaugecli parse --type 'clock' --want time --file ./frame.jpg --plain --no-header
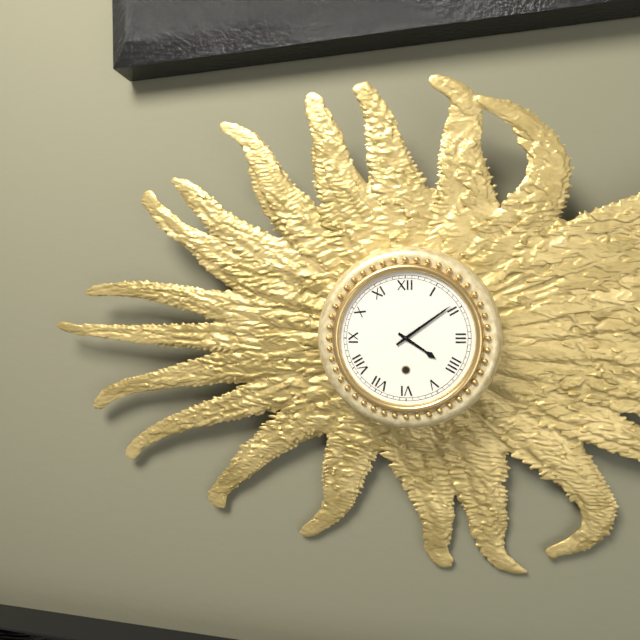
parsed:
4:09
